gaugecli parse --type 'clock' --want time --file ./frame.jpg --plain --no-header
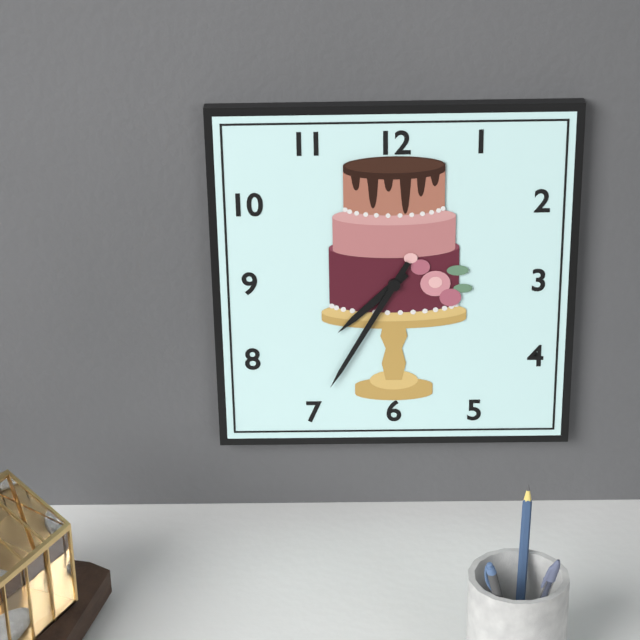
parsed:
7:35
